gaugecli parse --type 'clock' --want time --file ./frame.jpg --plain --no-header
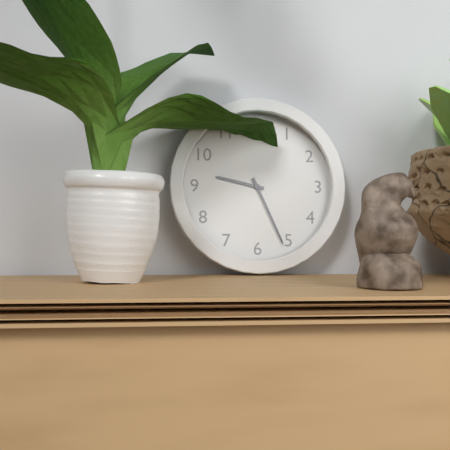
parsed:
9:26
